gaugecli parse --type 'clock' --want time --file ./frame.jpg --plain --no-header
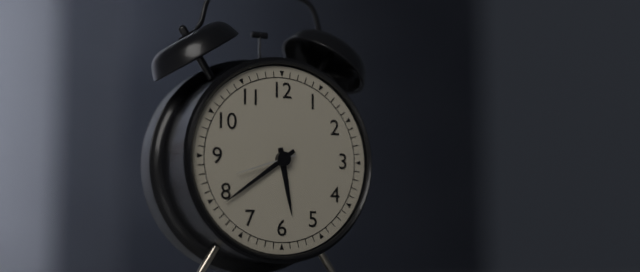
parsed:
5:39:42
